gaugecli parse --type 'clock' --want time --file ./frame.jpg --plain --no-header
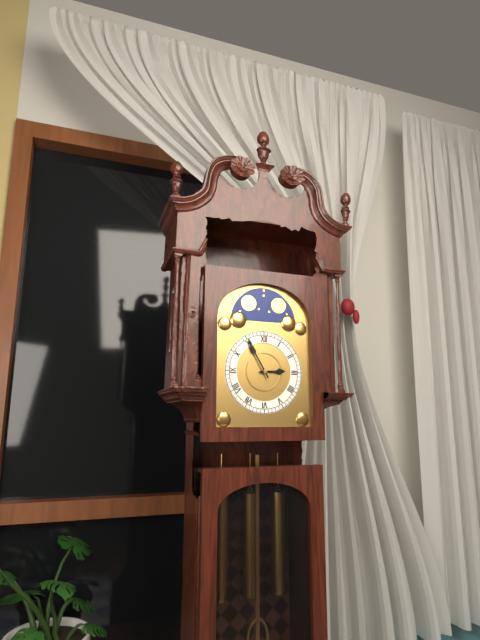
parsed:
2:55
